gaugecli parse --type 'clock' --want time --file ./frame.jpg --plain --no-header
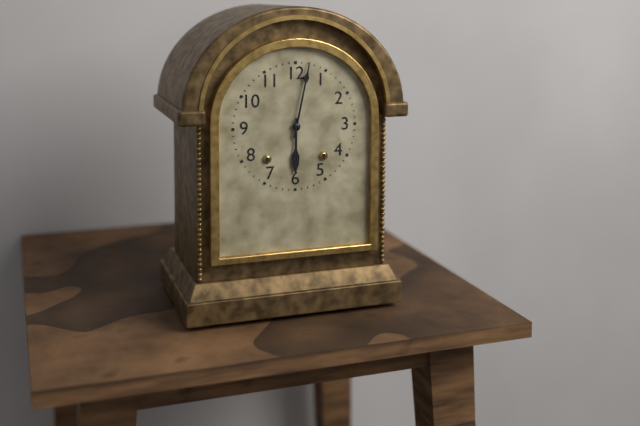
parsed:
6:02
